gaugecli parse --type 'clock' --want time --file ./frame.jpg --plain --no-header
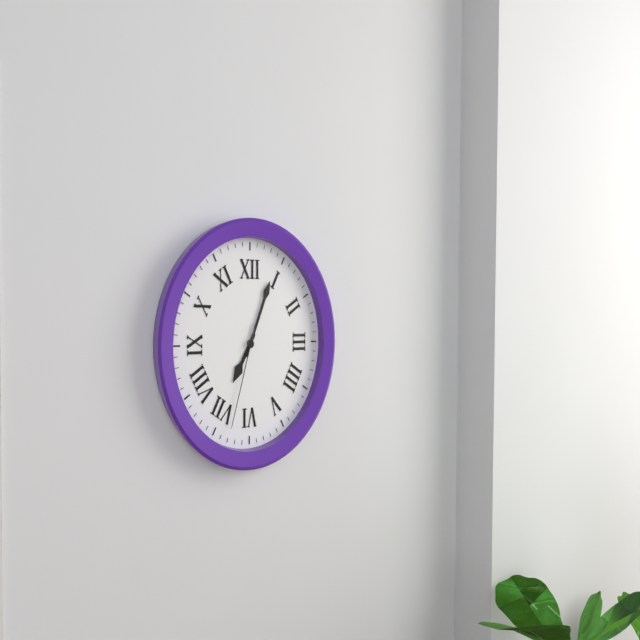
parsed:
7:04:33
